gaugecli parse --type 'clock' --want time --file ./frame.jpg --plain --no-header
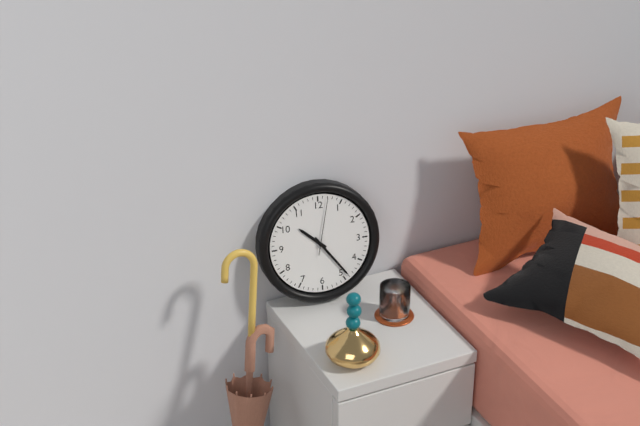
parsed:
10:24:02
